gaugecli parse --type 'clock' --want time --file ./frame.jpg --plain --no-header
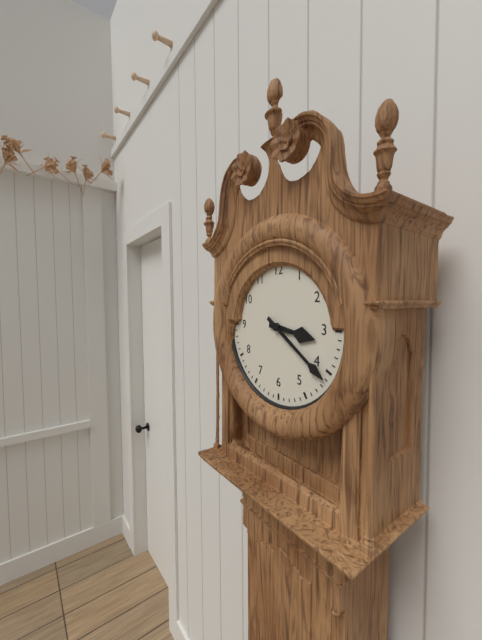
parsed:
3:21
